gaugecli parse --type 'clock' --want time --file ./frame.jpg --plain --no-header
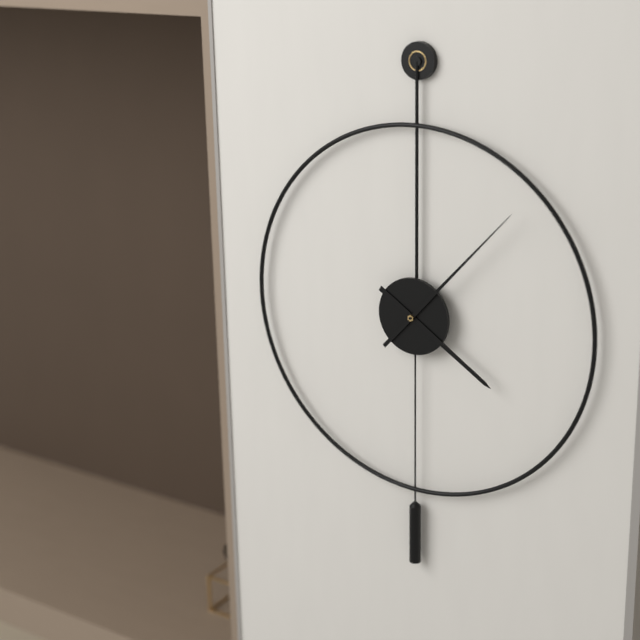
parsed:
4:07
